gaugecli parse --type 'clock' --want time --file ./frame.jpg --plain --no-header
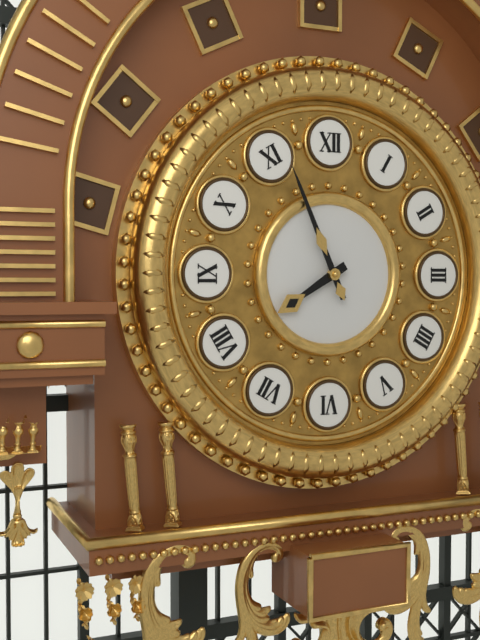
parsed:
7:56
